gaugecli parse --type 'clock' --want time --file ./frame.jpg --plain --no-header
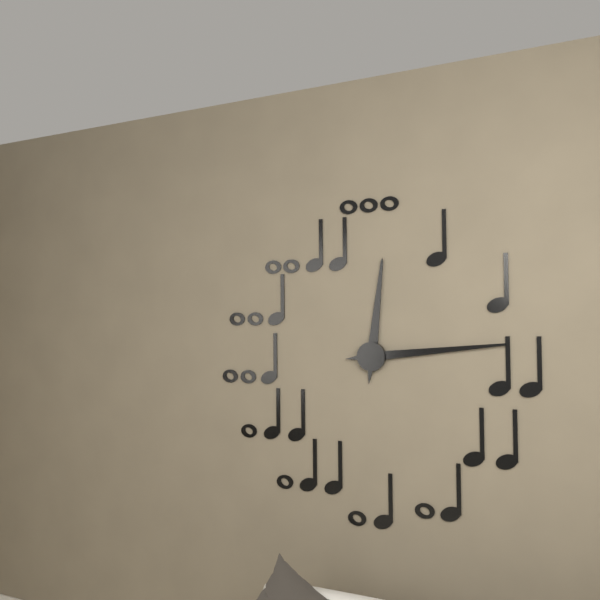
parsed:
12:14
